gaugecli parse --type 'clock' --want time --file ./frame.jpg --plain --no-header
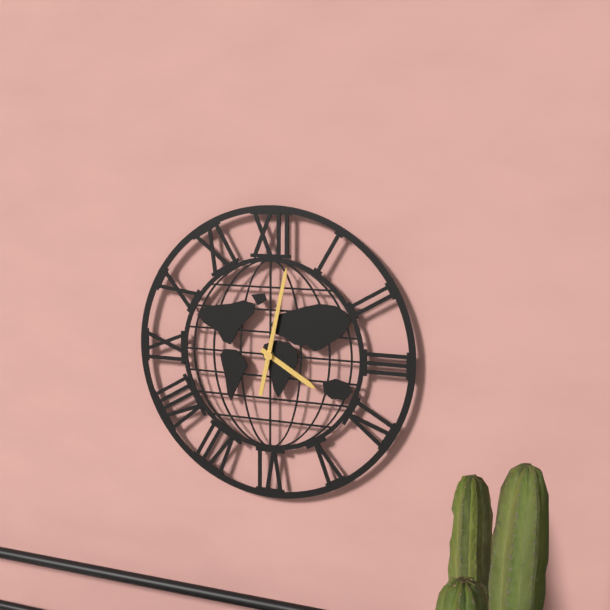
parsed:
4:02
